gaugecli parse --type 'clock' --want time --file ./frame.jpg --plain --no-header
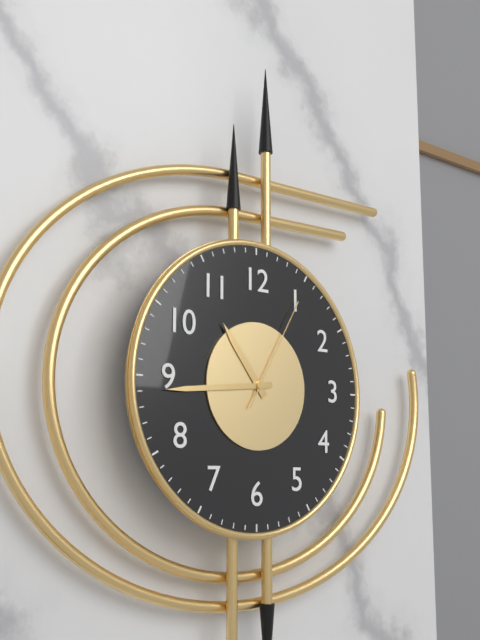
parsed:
10:44:05
